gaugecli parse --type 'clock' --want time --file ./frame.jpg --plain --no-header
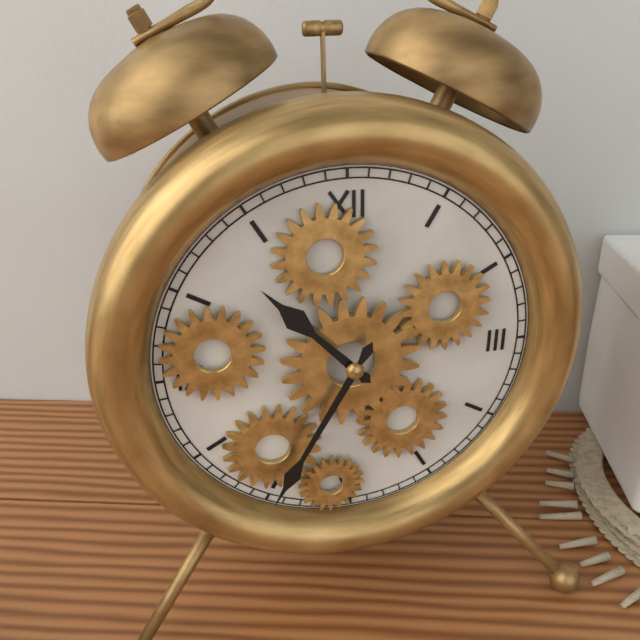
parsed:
10:35
